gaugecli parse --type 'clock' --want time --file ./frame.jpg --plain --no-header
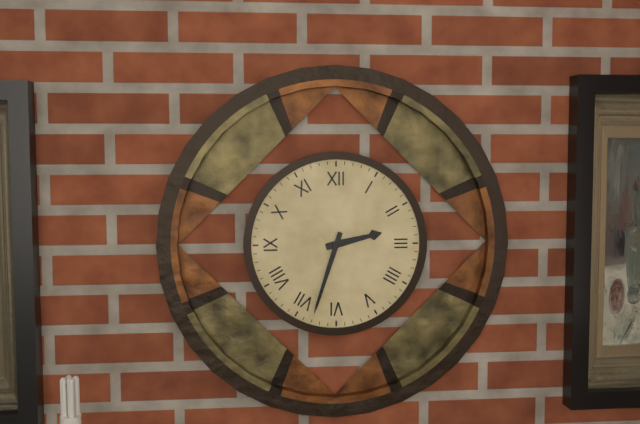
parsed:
2:33
